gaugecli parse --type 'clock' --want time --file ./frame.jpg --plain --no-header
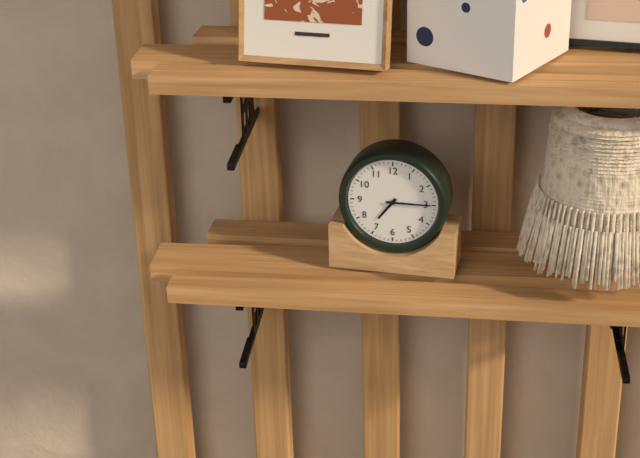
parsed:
7:15
